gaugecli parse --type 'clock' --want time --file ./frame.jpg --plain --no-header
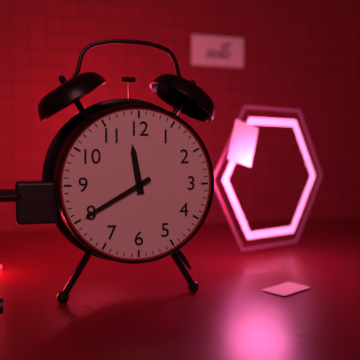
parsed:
11:40
